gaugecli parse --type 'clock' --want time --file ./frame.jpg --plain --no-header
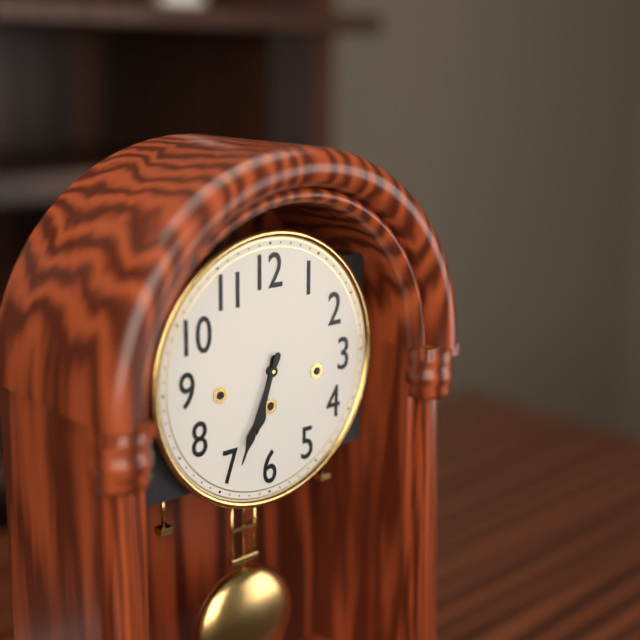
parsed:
6:34
